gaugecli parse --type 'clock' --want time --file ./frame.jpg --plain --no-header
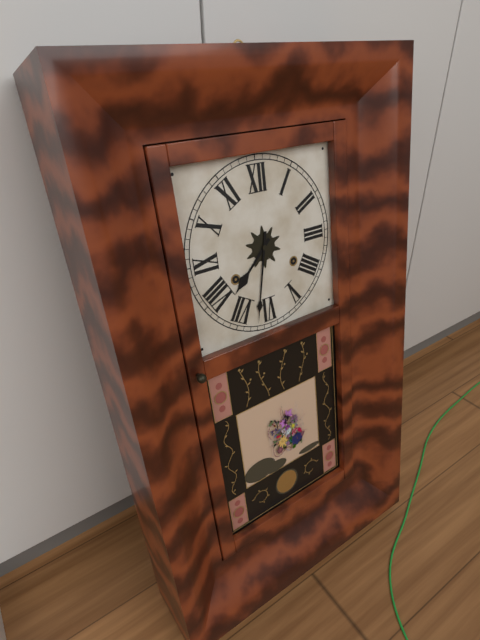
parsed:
7:32
